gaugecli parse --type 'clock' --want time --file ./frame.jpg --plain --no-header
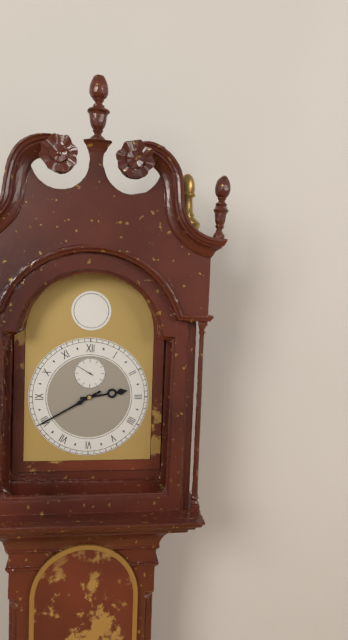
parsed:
2:40
